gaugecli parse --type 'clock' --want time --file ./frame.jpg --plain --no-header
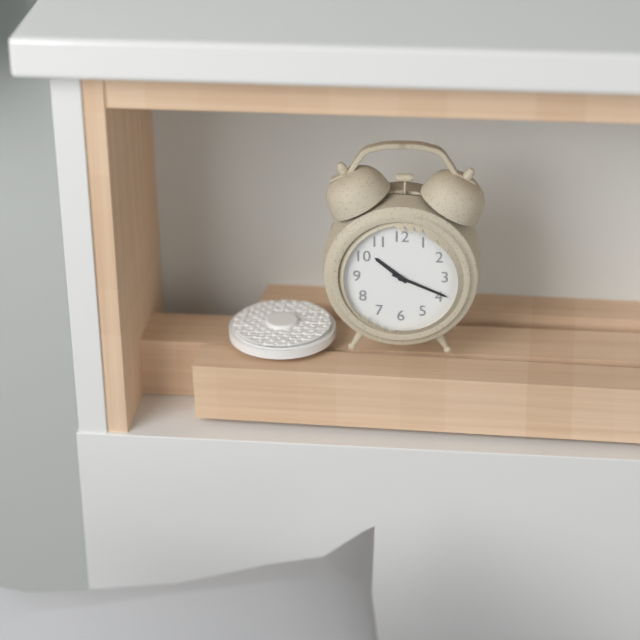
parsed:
10:19
